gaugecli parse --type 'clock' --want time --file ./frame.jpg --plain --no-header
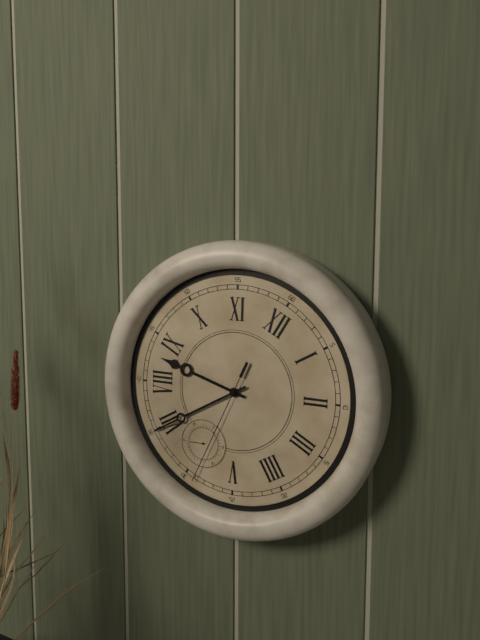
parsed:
8:35:29
